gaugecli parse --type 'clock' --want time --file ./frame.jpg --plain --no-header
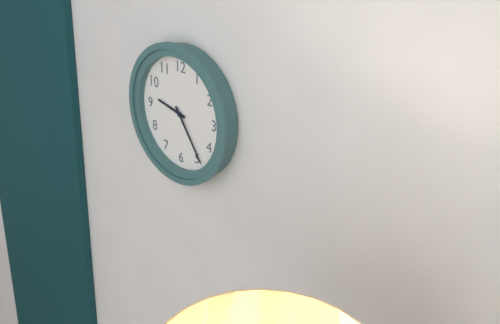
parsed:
9:24
